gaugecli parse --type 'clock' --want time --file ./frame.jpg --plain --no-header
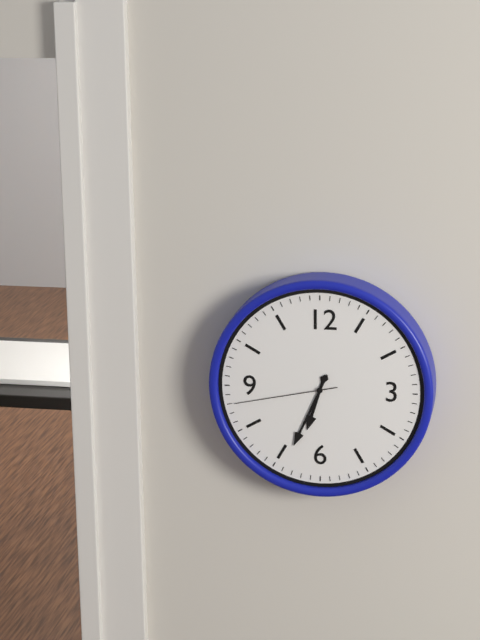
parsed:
6:34:43
